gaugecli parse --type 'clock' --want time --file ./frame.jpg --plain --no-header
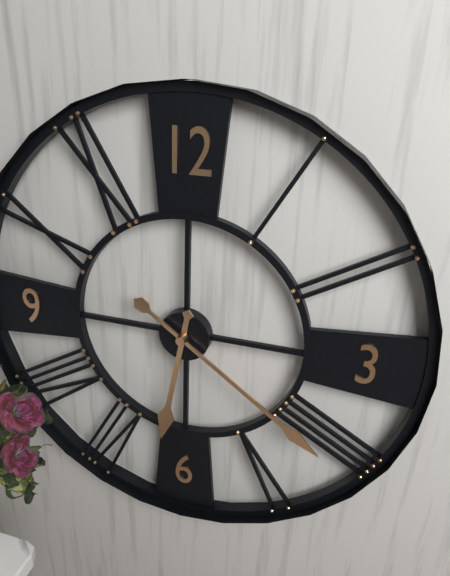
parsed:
6:21
